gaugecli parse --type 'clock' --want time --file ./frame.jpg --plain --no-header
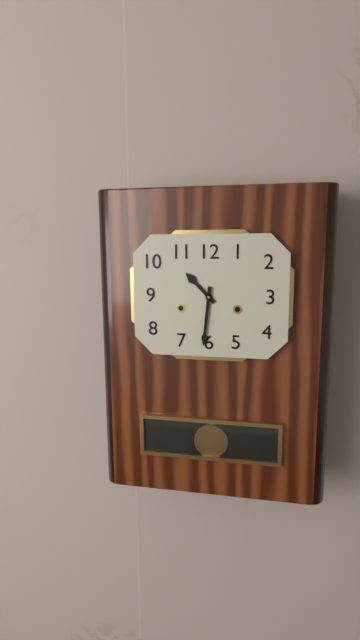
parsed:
10:31
